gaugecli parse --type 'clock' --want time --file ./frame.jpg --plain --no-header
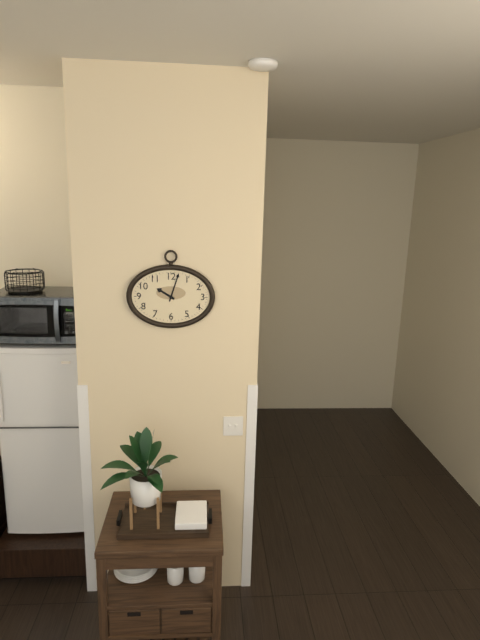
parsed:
10:03
